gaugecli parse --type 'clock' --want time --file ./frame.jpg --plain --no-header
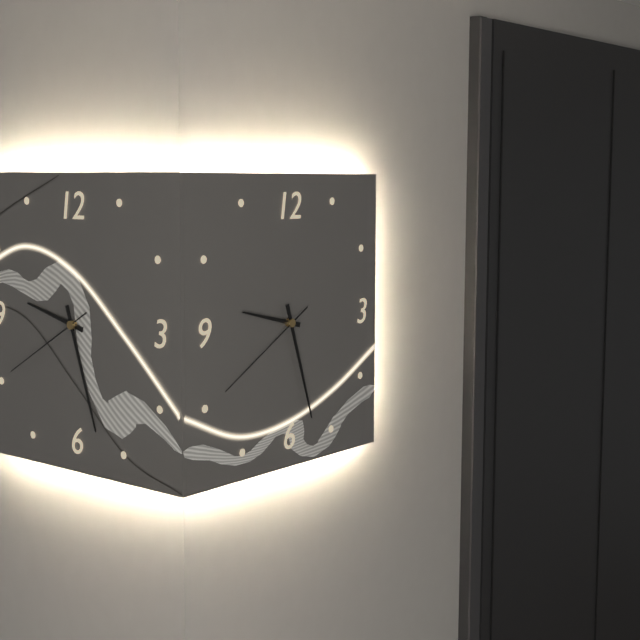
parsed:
9:27:40
